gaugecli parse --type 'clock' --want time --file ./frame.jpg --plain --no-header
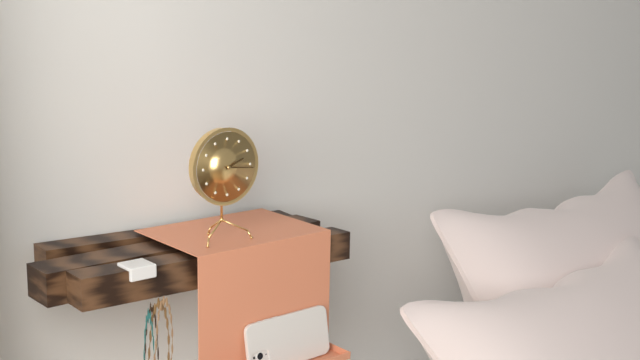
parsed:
2:16
